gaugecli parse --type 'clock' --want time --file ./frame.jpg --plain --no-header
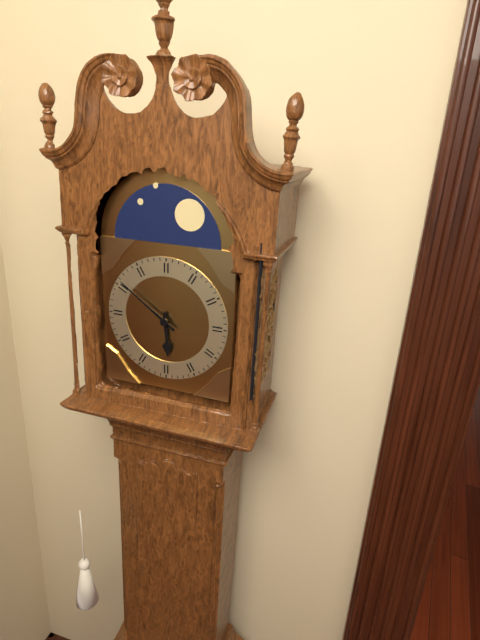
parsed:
5:51
